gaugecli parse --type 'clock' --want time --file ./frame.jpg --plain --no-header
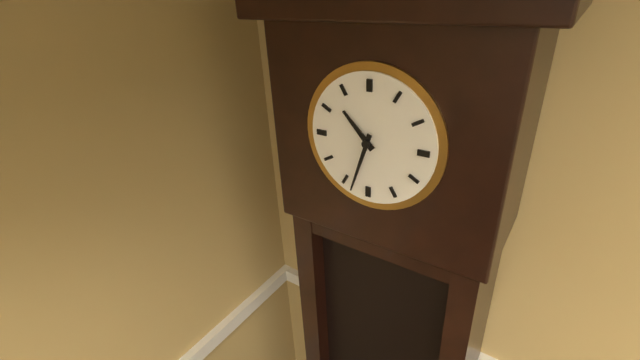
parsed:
10:33
